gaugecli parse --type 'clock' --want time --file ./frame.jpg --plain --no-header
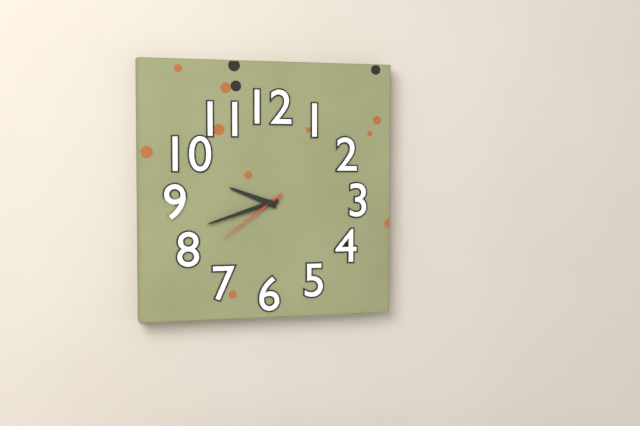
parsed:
9:42:39
